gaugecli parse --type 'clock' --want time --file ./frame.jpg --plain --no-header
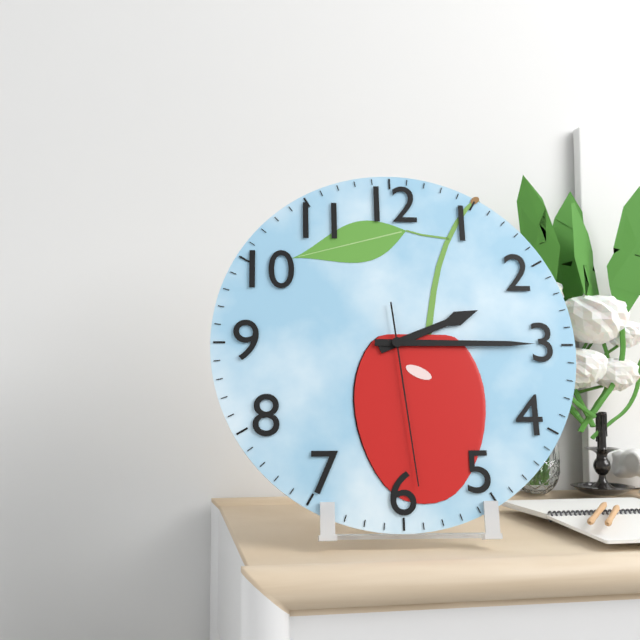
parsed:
2:15:29
